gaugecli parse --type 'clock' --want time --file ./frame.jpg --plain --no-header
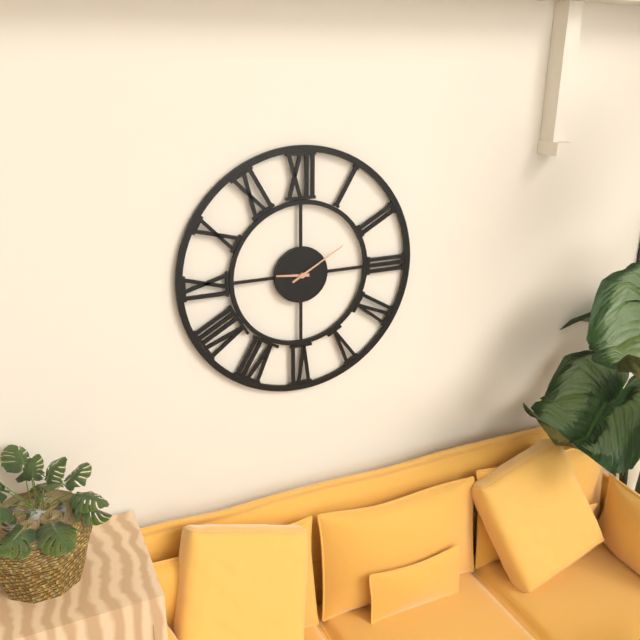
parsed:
9:10
